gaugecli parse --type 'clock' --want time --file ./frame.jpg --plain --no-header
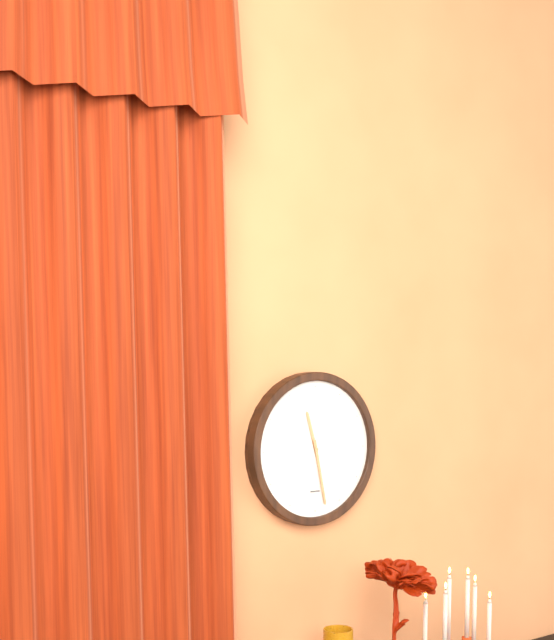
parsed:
11:28
